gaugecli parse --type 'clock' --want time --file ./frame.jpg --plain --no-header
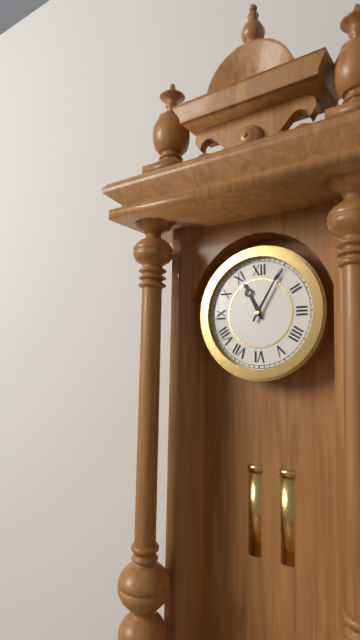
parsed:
11:05
